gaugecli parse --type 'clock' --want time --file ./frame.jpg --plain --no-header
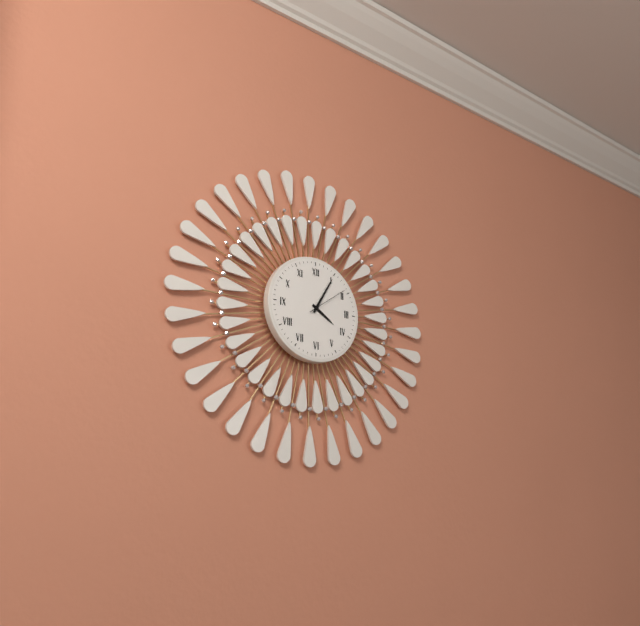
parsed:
4:05:09
